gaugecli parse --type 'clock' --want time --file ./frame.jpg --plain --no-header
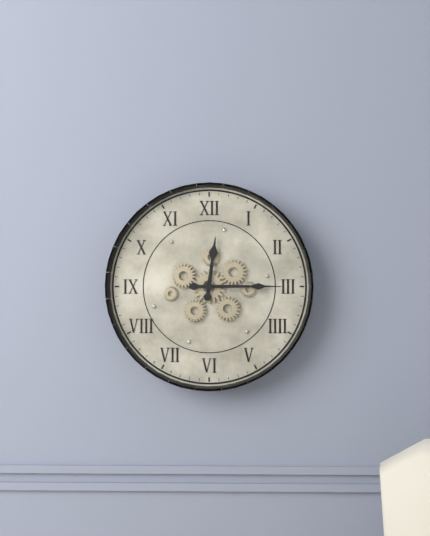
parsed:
12:15
